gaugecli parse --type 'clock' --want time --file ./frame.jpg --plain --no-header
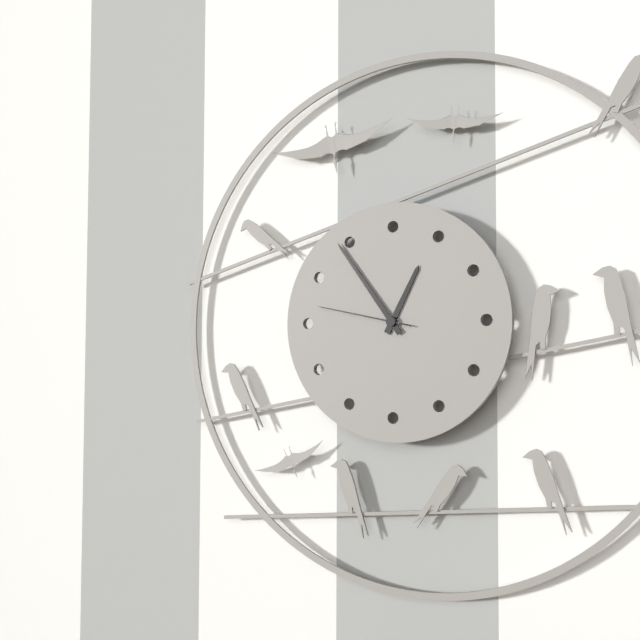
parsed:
12:54:47
